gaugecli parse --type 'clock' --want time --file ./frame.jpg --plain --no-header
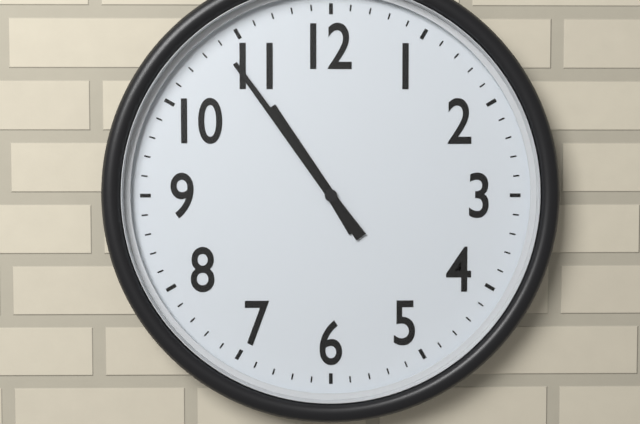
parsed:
10:54
